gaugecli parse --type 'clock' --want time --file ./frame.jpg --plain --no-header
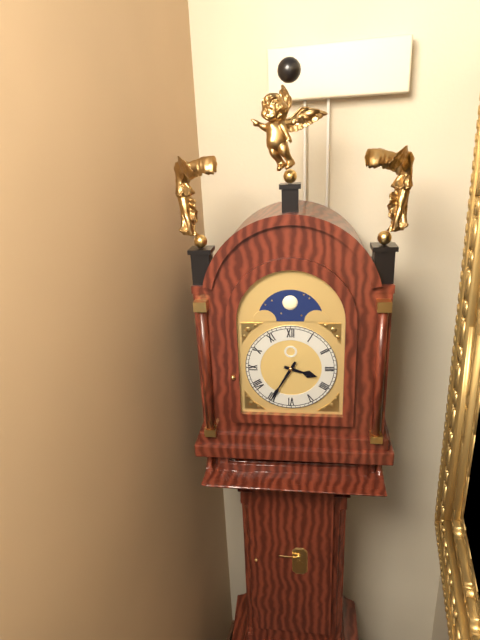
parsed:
3:35
